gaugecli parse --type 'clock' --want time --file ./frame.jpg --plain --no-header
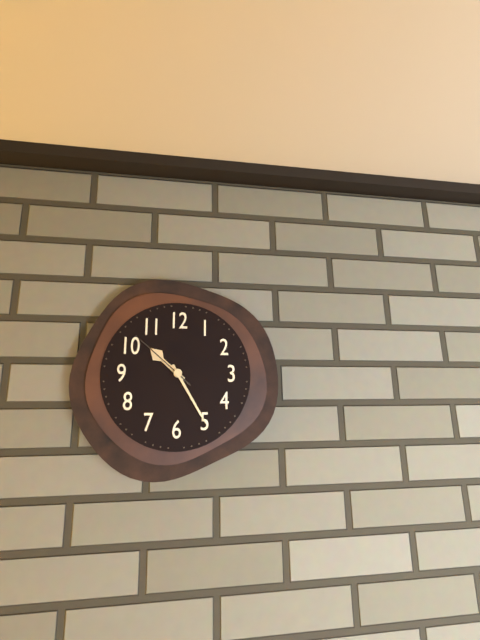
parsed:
10:25:52
